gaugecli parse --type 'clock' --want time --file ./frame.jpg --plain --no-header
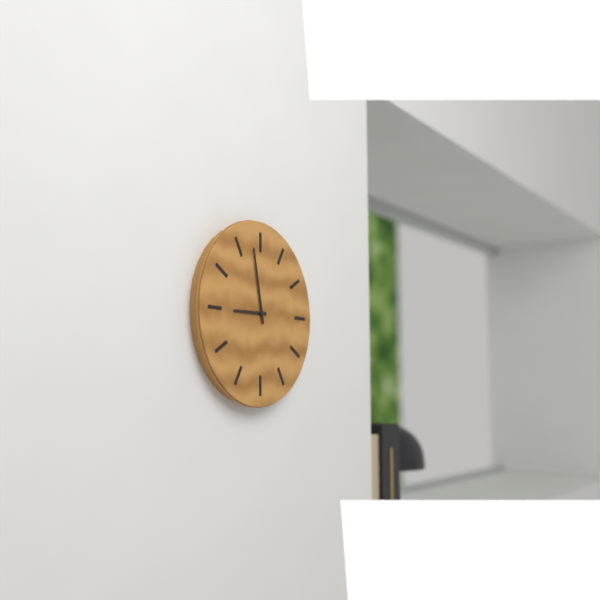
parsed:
8:58
